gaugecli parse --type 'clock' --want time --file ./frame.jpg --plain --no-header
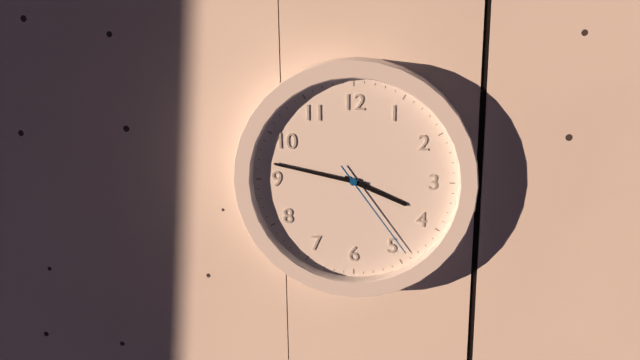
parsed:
3:47:24
